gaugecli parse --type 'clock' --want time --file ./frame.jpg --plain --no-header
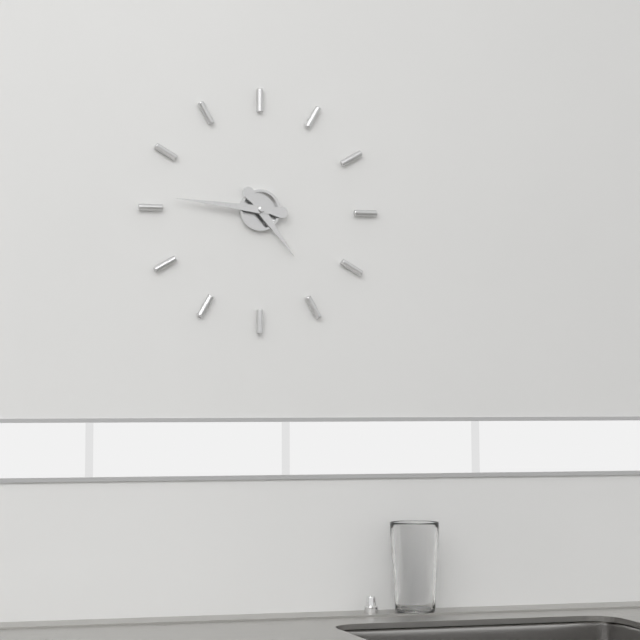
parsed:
4:46
